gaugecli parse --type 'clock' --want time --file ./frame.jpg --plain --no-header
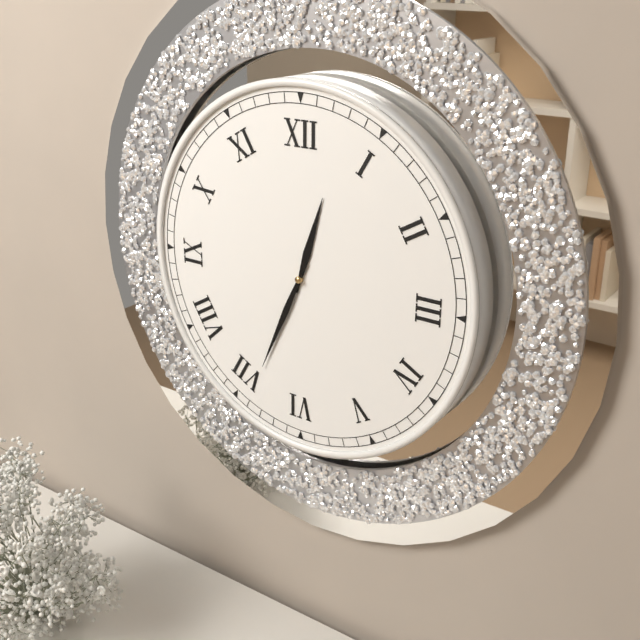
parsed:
12:34
